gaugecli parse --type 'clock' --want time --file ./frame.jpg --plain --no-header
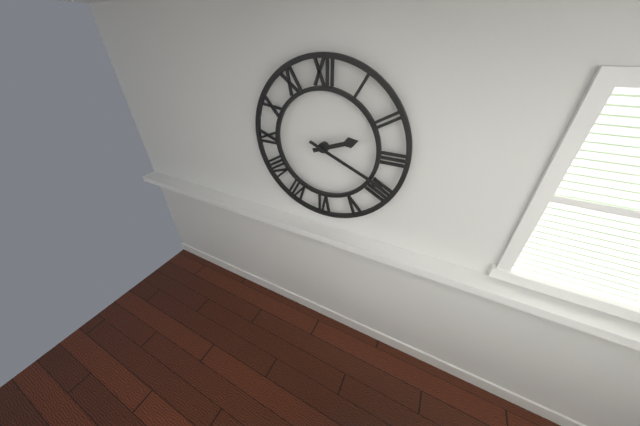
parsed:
2:19
